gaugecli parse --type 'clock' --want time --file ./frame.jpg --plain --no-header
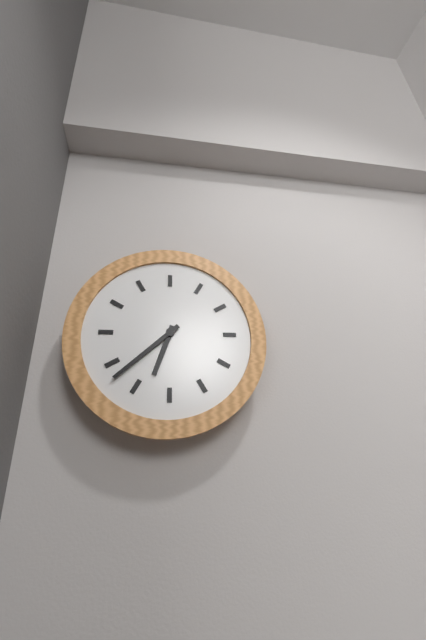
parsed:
6:38
